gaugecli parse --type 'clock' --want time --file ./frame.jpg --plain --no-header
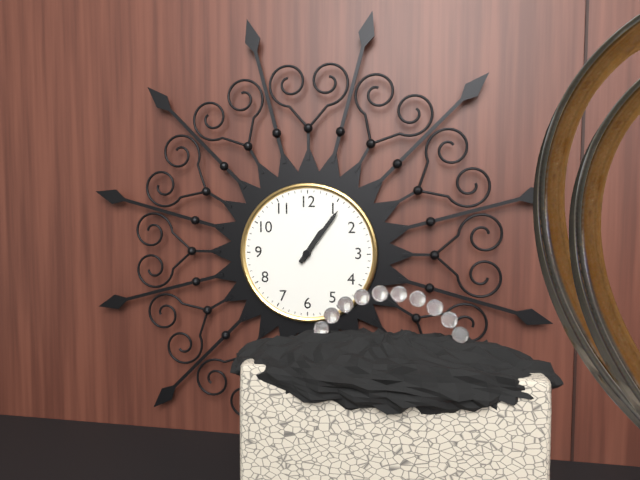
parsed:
1:06
